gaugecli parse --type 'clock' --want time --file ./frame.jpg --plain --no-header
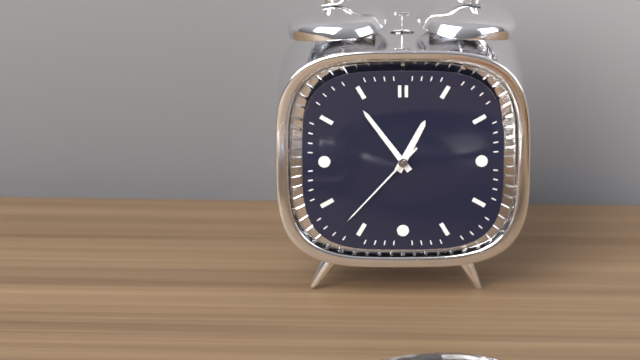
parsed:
12:54:37
